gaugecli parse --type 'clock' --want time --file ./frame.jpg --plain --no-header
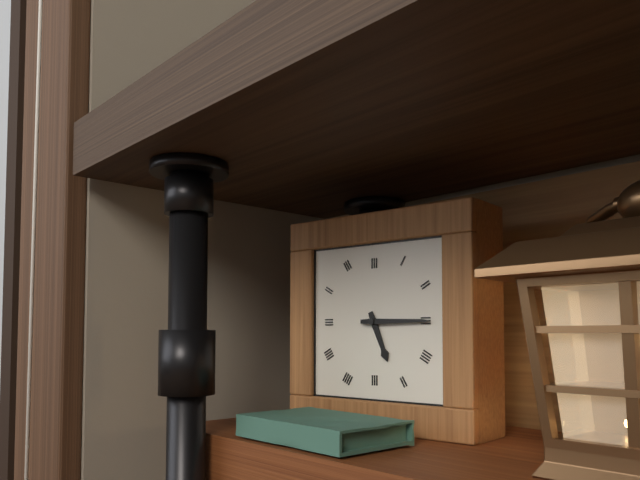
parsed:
5:15
